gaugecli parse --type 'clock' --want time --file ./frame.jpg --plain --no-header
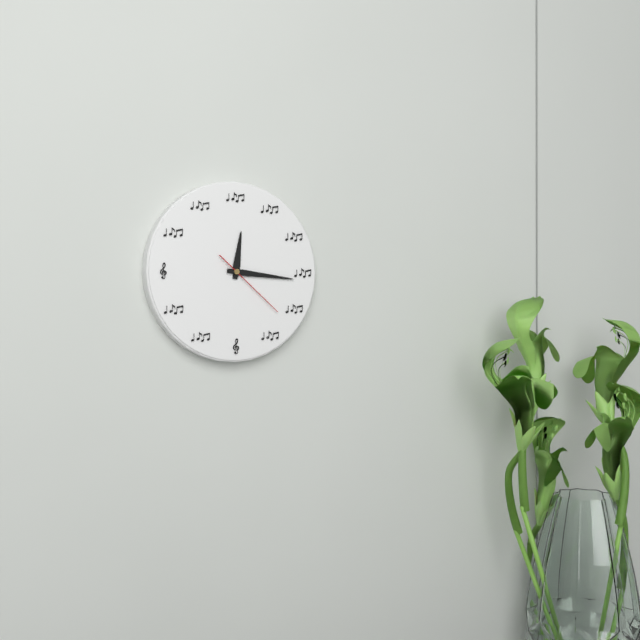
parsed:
12:16:22
